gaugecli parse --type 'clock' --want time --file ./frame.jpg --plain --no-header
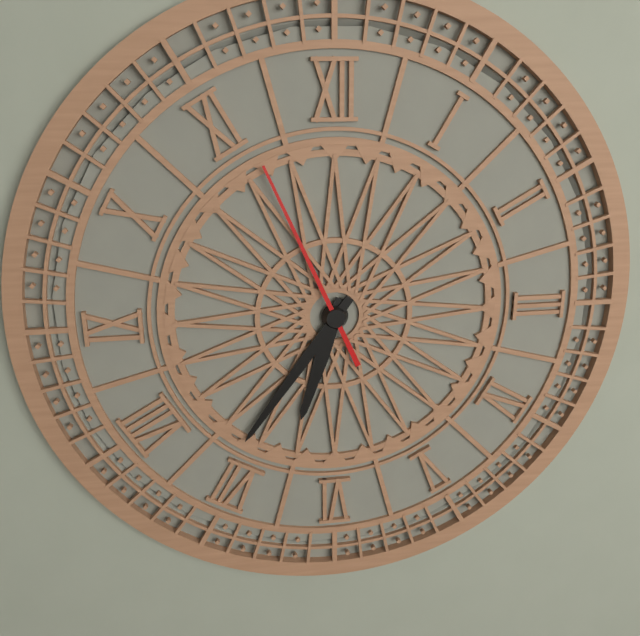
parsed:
6:36:56
